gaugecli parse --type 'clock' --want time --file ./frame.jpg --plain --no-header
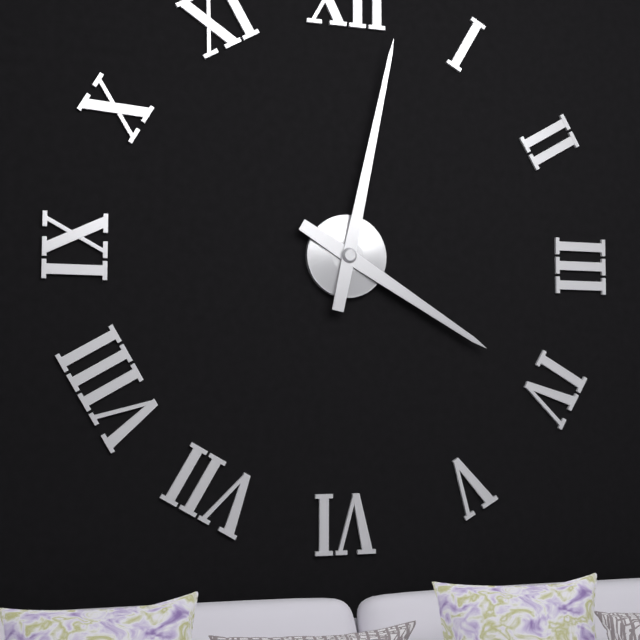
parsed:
4:02
